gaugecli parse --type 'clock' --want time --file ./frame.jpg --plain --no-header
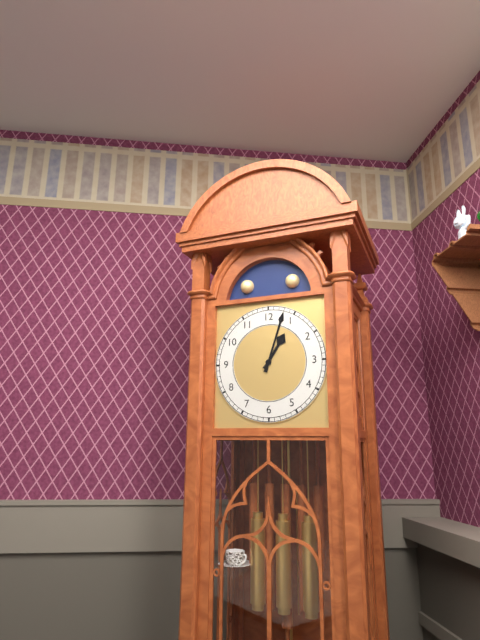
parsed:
1:03
